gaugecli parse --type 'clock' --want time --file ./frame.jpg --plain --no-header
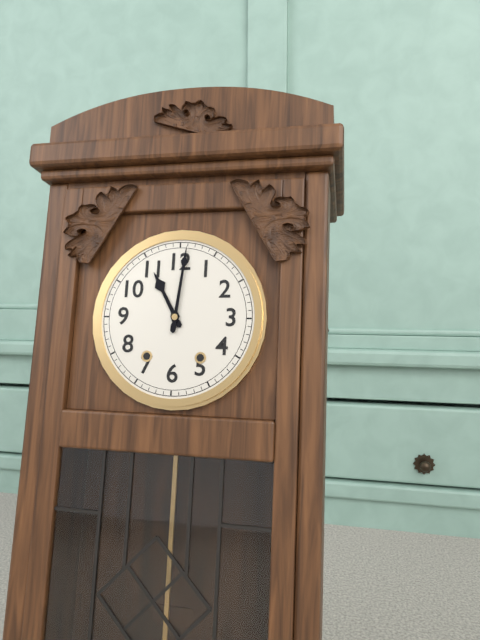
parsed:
11:01
